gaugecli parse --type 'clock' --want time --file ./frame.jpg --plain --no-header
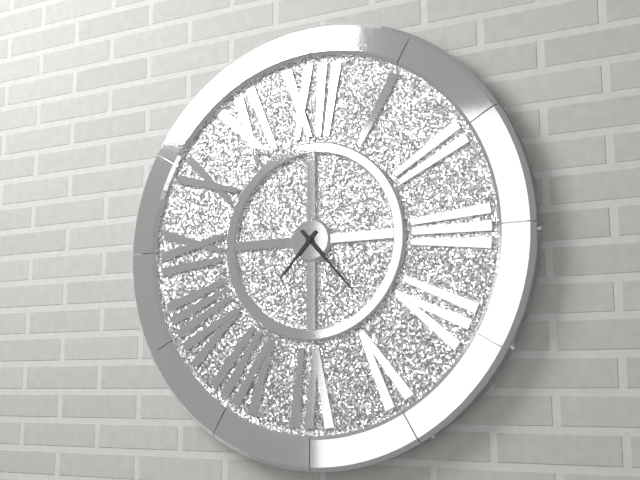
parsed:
7:23
